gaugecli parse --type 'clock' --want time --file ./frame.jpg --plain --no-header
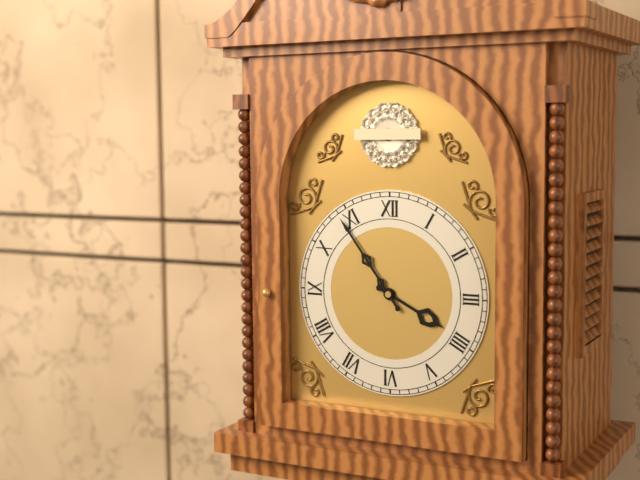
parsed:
3:54
